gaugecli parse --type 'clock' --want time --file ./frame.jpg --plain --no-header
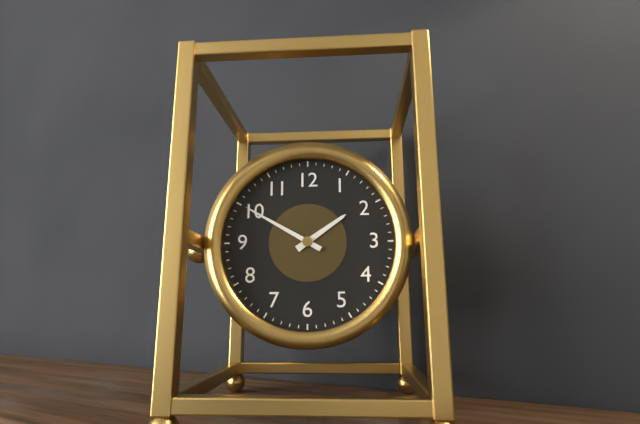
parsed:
1:50
